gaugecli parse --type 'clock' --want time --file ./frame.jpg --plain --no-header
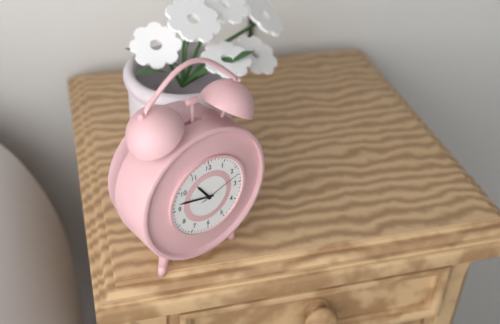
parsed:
10:47
